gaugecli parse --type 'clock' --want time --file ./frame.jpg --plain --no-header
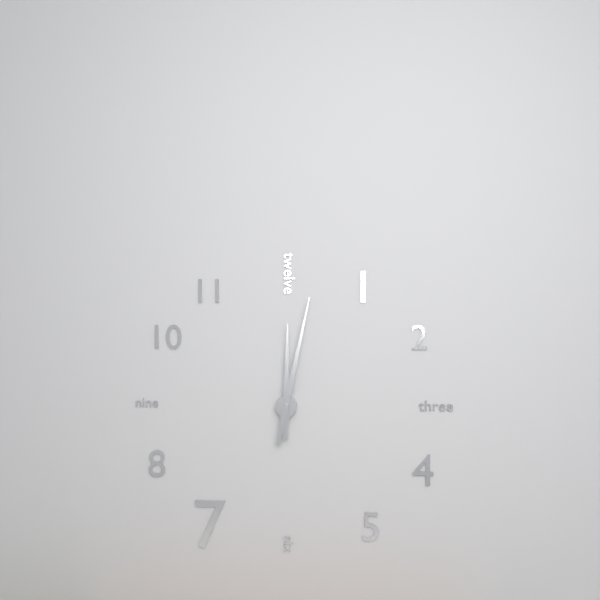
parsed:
12:02
